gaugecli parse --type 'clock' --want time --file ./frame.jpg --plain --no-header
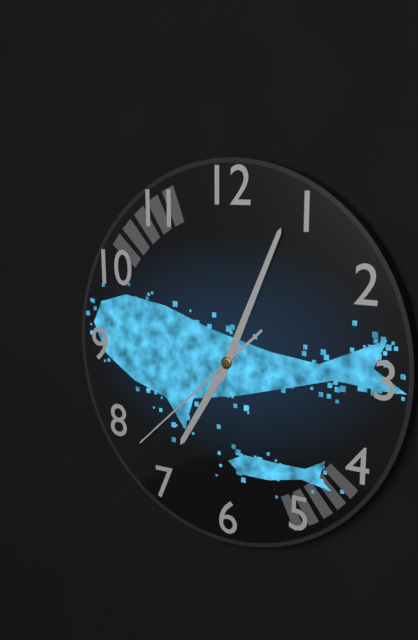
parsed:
7:04:38
